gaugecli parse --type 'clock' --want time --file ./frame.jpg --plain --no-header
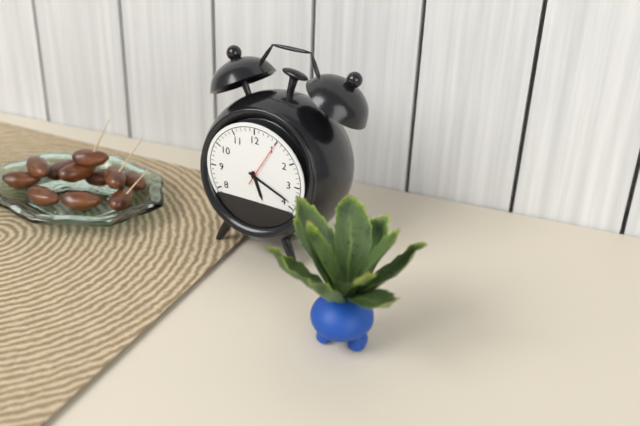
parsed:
5:19
